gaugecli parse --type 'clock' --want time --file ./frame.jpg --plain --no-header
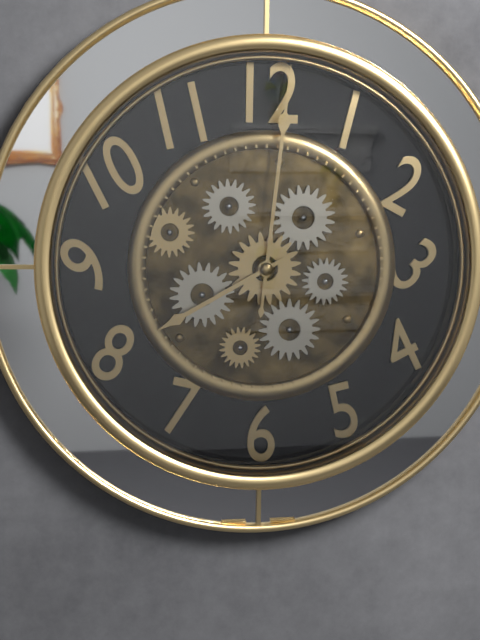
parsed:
8:01
